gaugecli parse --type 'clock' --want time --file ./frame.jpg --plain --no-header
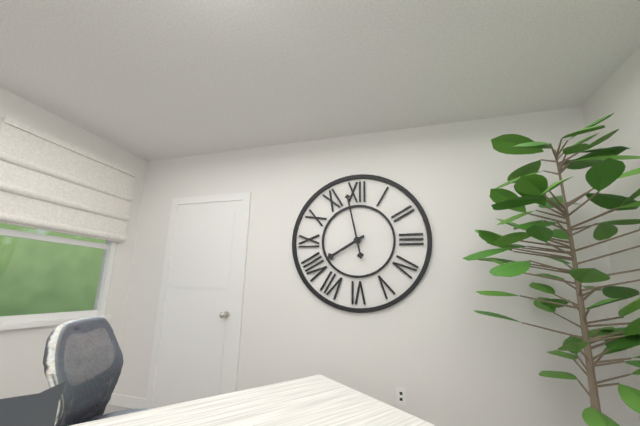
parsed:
7:58
